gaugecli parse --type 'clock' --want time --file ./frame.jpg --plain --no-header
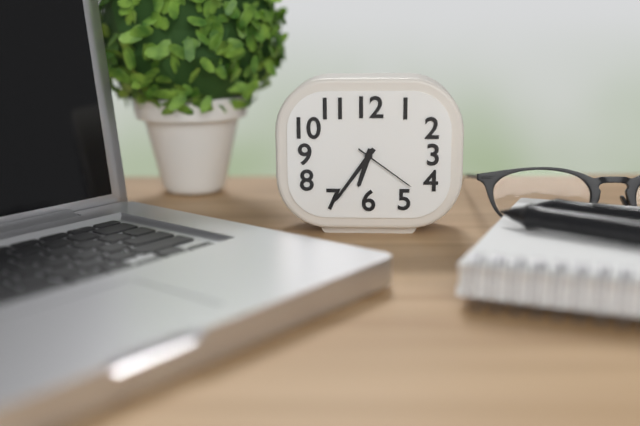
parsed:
6:36:21
